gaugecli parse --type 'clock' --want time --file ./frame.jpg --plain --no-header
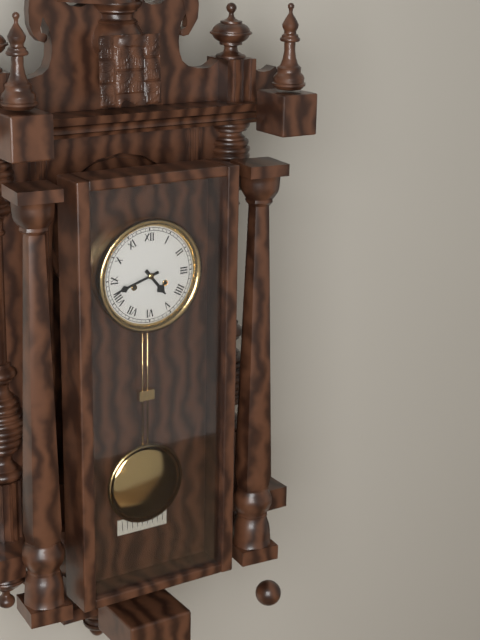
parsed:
4:42
